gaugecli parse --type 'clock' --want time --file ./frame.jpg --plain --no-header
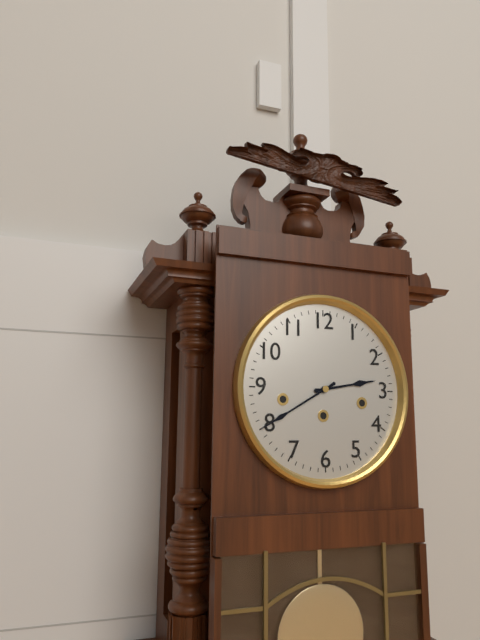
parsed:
2:40
